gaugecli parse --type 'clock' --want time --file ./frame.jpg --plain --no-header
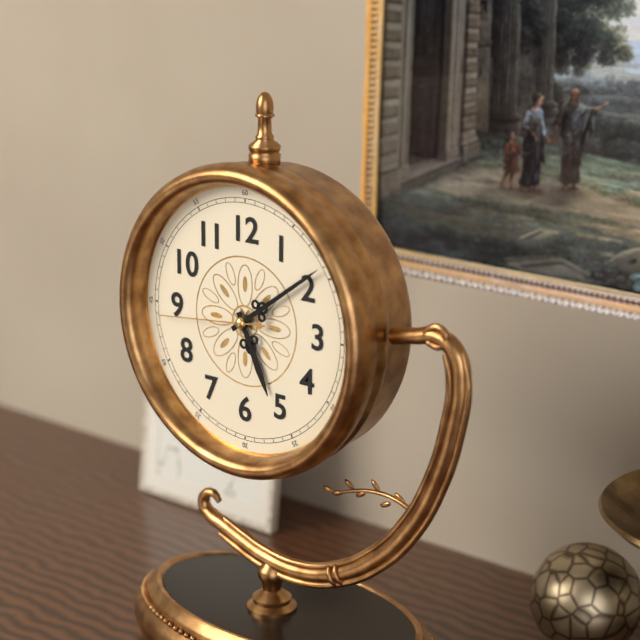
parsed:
5:09:44
